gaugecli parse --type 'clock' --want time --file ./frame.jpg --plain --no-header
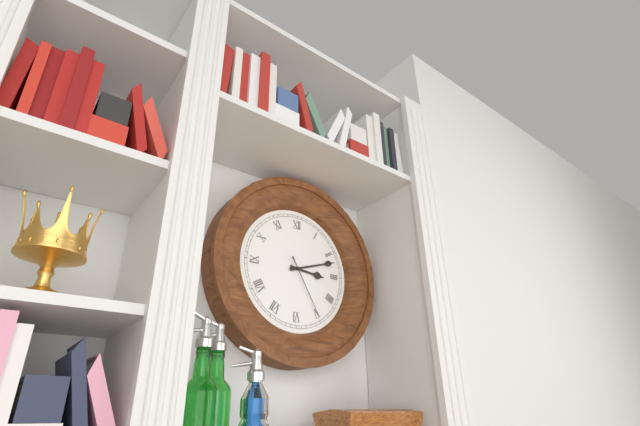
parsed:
3:12:25
